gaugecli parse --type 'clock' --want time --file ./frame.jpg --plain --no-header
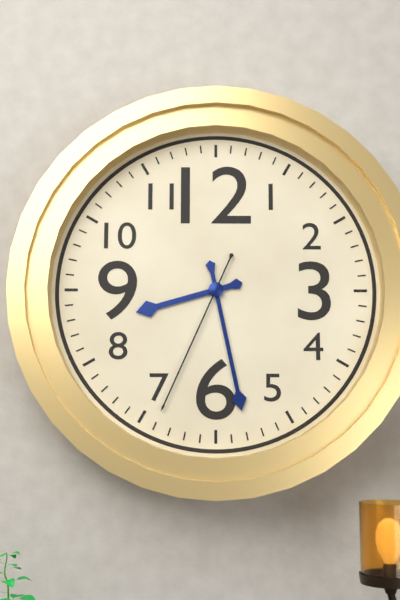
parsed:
8:28:34
